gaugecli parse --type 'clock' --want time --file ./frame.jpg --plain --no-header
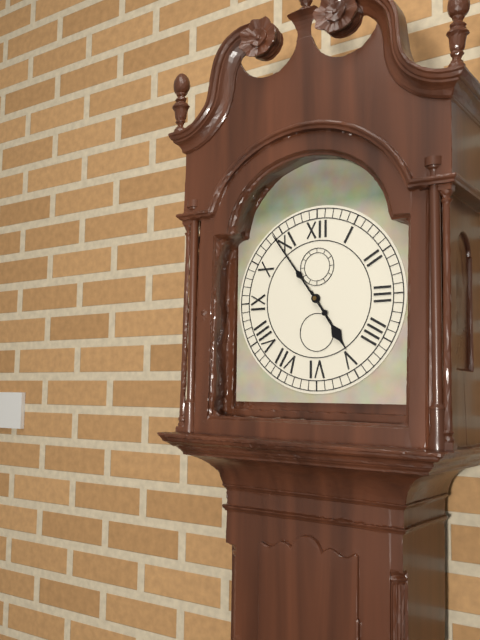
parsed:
4:54
